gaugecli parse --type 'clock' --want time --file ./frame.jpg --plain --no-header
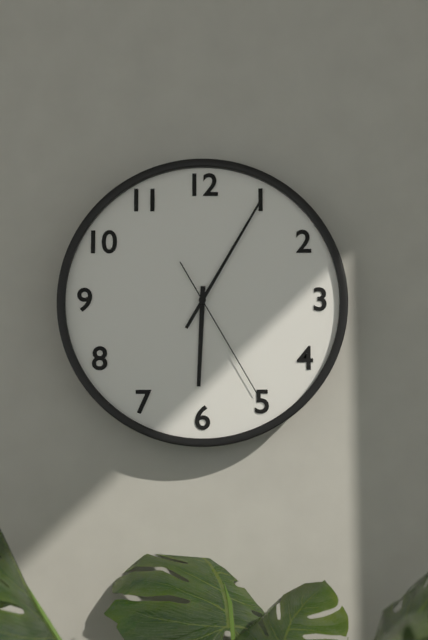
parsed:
6:05:25
